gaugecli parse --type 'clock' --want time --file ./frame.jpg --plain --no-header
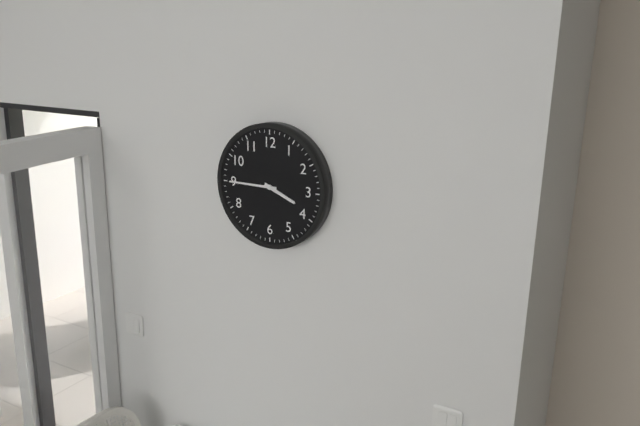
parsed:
3:45
